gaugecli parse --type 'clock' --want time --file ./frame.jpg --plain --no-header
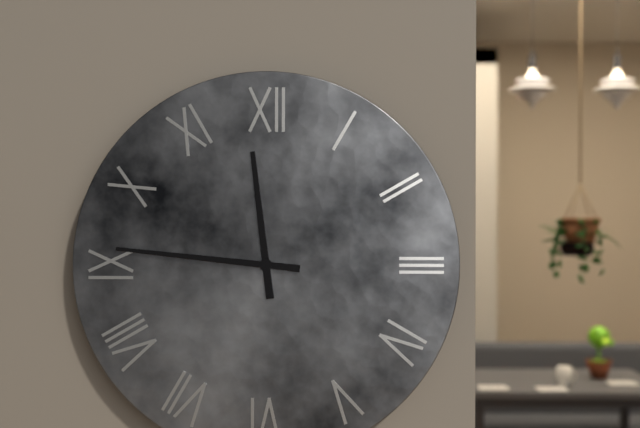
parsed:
11:46
